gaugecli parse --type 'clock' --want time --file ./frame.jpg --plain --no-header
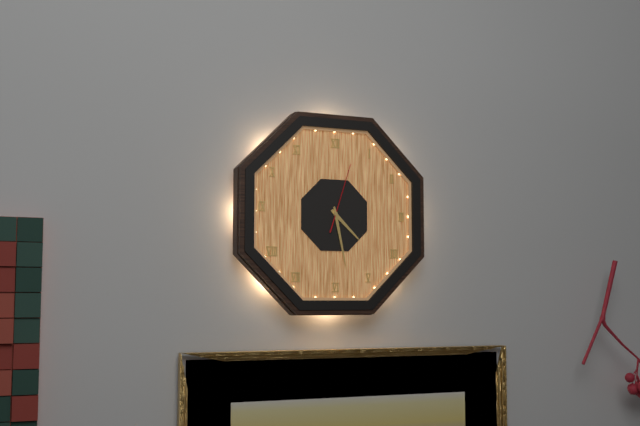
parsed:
4:28:03
